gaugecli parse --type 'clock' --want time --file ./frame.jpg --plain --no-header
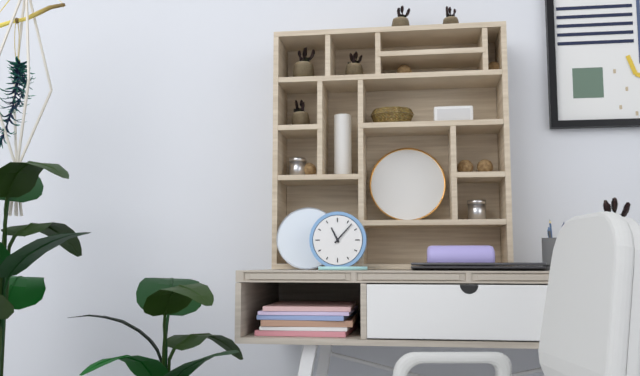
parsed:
11:07
